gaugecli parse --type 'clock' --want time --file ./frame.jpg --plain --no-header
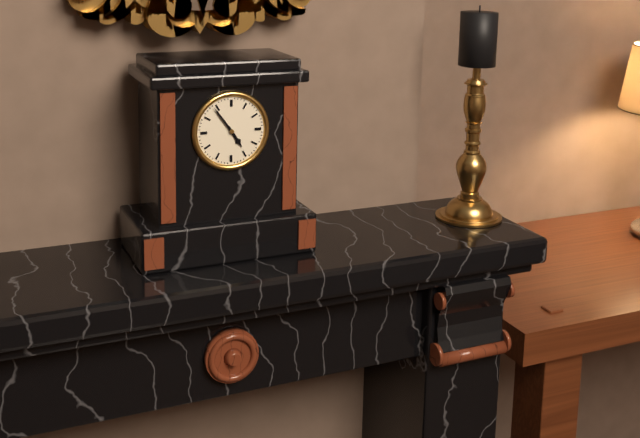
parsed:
4:54
